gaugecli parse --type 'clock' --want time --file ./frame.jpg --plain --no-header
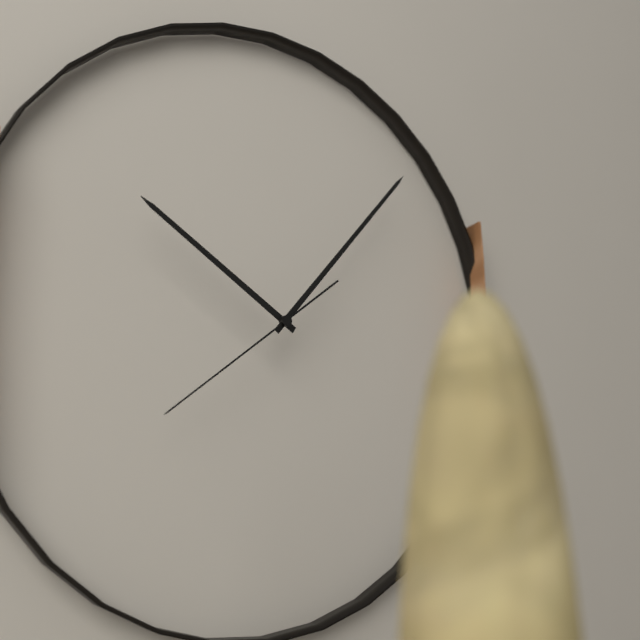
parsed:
10:07:39
